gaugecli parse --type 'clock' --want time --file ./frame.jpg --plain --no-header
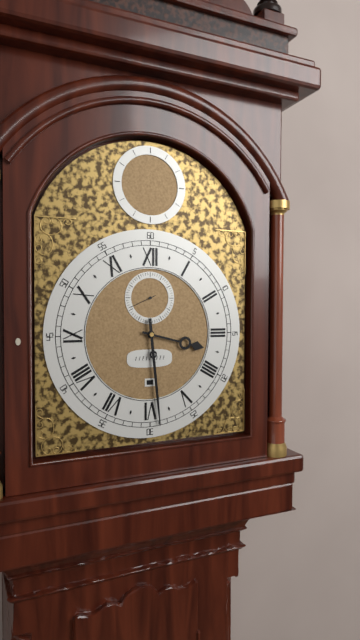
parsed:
3:29
